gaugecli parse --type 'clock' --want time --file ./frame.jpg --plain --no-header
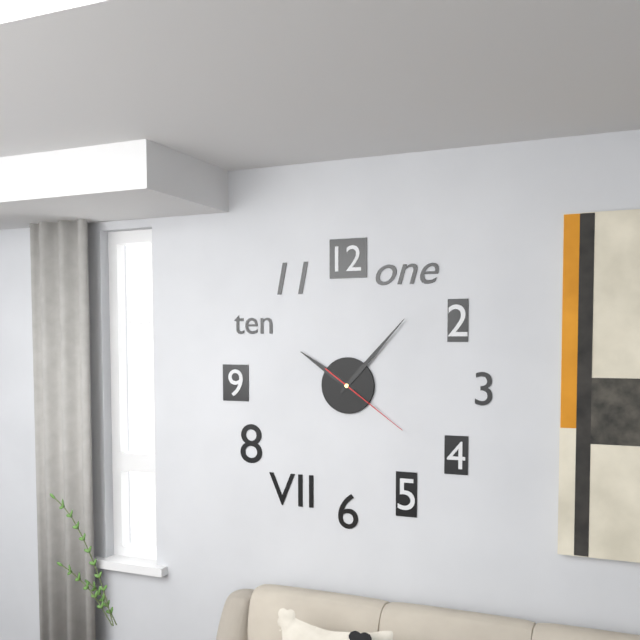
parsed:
10:07:21
